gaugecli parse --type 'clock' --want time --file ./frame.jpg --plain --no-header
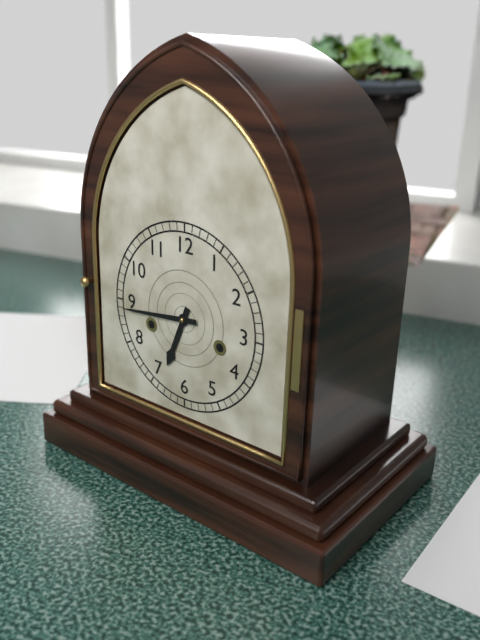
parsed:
6:44
